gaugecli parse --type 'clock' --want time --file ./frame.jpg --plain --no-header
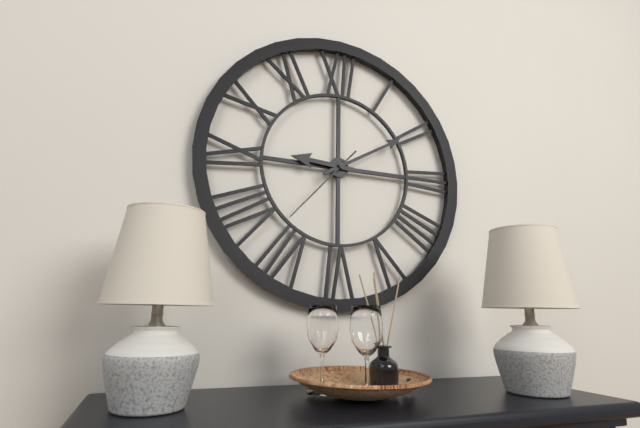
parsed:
9:10:37
